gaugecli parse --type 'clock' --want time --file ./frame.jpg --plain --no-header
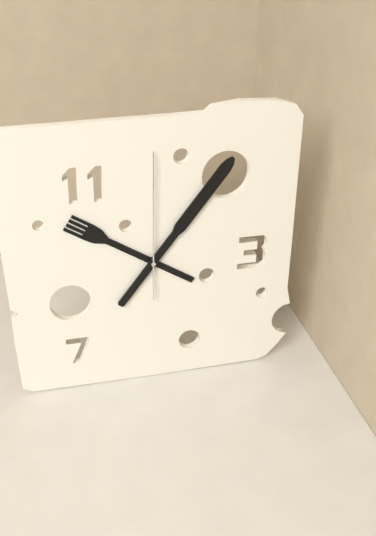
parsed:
10:06:00
